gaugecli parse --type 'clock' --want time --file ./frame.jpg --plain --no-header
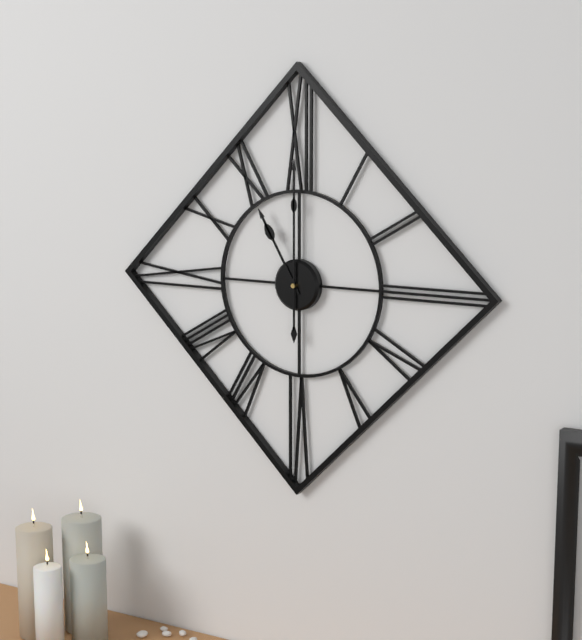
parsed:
11:00
